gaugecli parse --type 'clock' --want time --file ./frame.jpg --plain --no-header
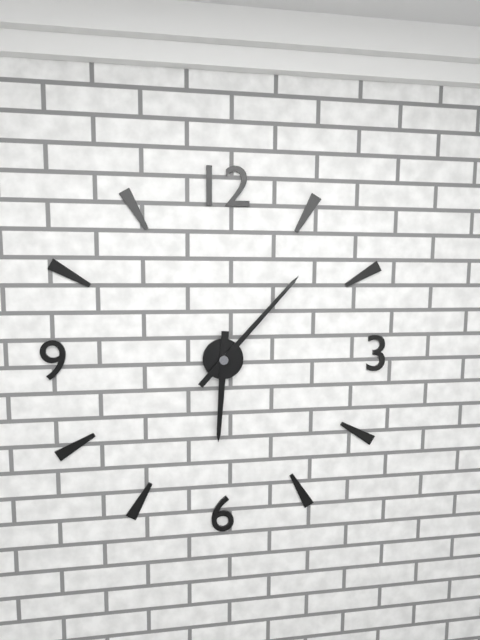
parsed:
6:07
